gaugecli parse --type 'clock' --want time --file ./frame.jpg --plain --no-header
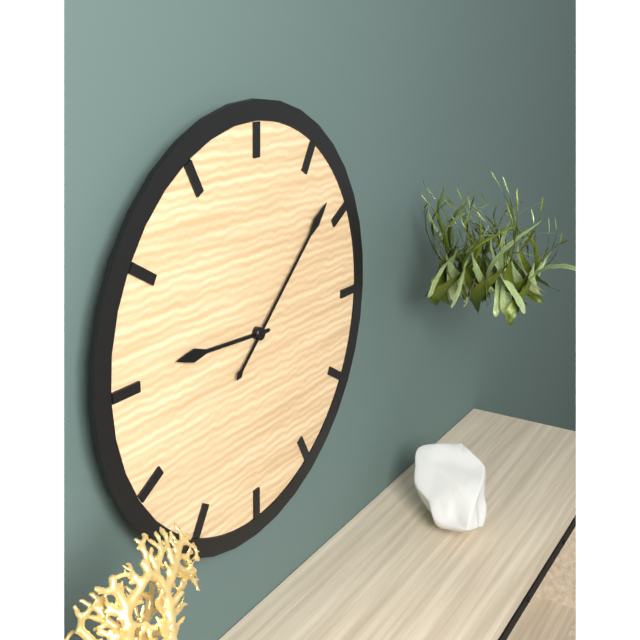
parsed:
9:08
